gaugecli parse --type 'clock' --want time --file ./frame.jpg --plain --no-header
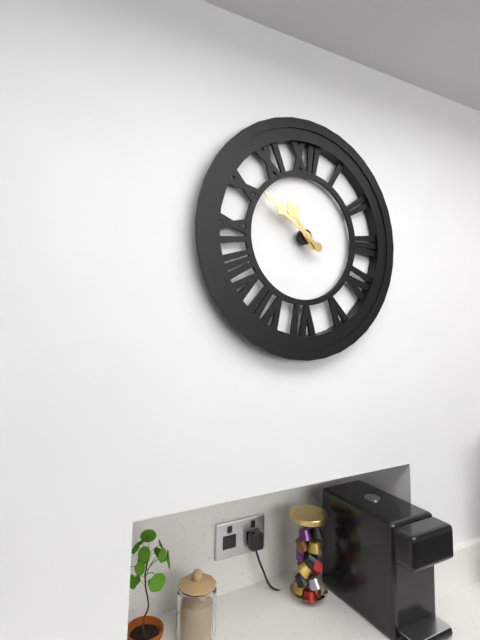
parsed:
10:51
